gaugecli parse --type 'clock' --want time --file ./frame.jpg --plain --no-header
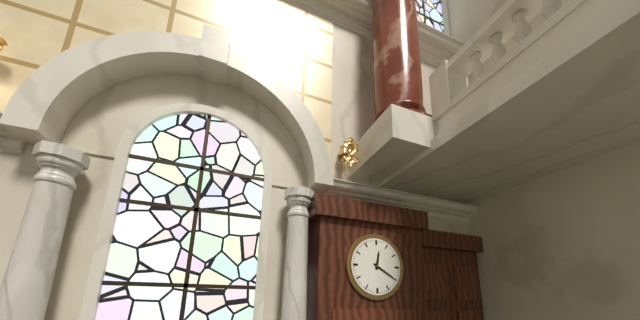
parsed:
12:20
